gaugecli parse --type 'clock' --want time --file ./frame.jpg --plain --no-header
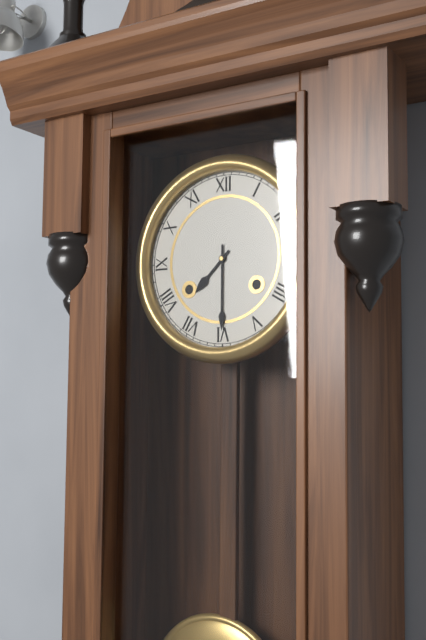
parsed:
7:30
